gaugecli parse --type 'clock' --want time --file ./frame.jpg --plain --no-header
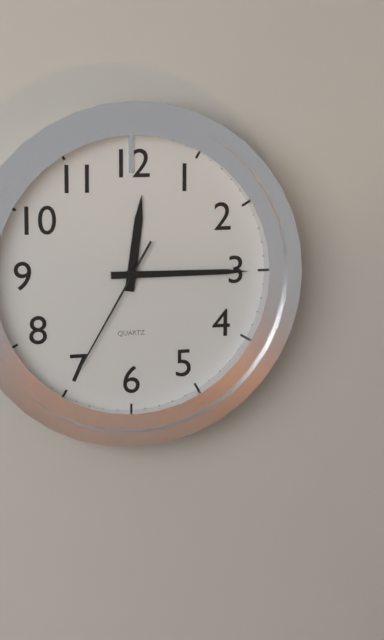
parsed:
12:15:35
